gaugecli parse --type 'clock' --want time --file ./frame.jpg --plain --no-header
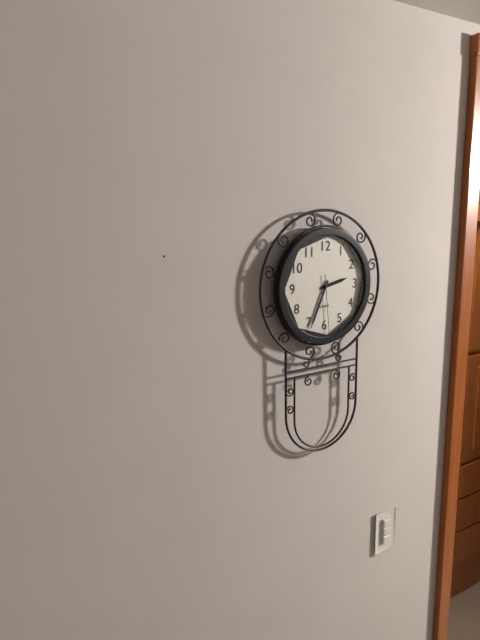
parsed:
2:34:29
